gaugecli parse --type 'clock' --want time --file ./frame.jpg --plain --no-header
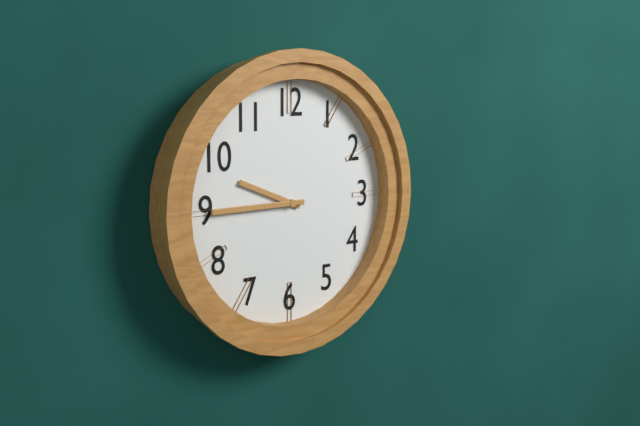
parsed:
9:45
